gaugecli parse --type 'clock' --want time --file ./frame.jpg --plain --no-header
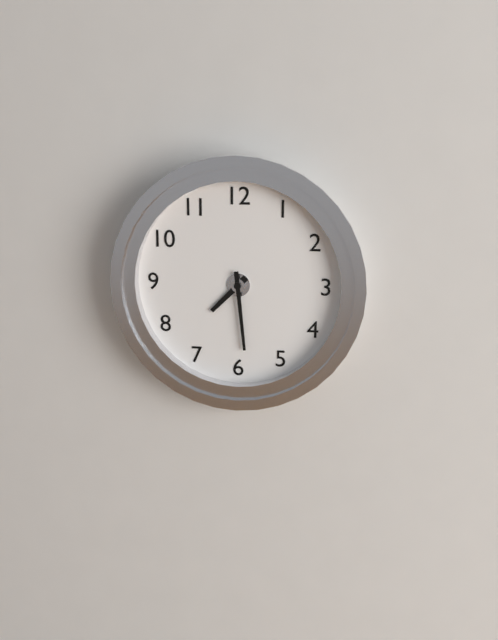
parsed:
7:29
